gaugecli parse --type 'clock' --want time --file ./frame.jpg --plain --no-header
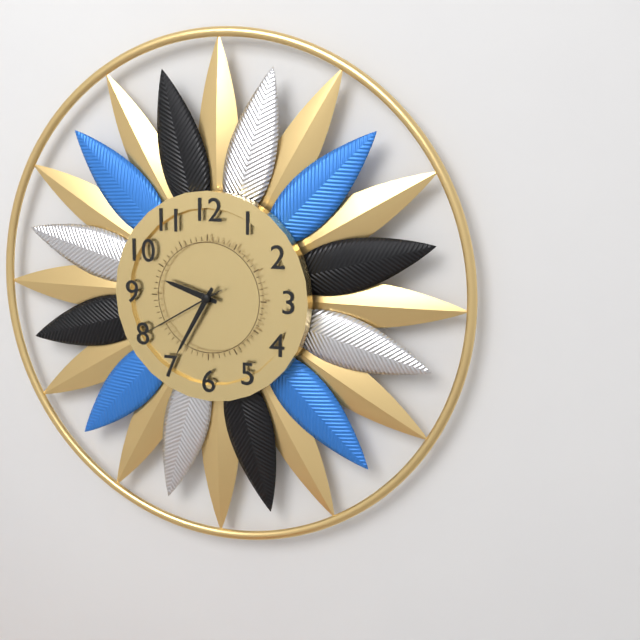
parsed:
9:35:40
